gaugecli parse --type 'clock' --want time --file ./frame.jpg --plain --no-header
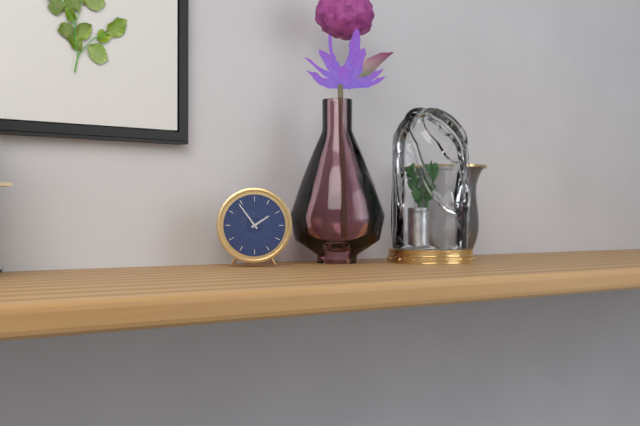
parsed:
1:54
